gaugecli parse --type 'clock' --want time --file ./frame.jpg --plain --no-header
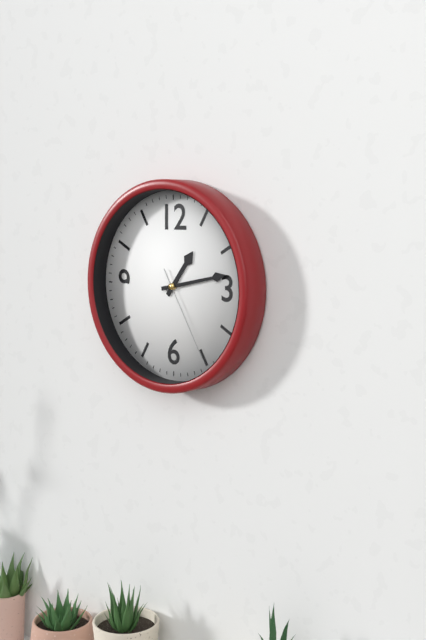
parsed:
1:13:25
